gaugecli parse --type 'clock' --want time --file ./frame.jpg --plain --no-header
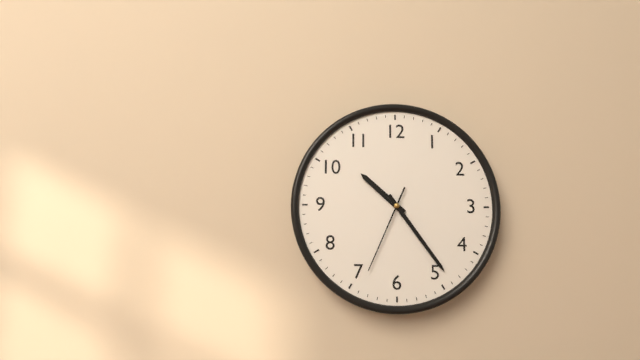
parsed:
10:24:34
